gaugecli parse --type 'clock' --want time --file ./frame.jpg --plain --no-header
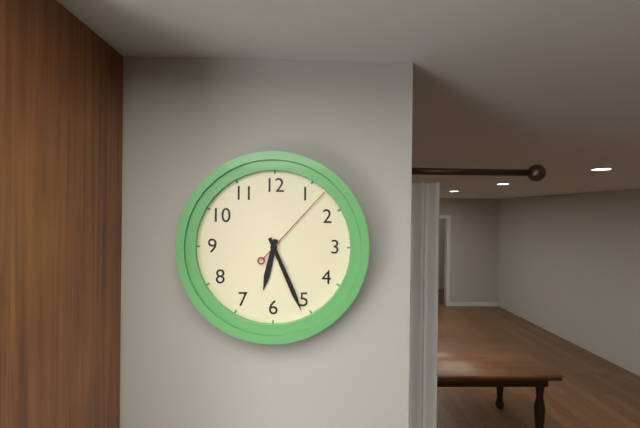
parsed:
6:26:07
